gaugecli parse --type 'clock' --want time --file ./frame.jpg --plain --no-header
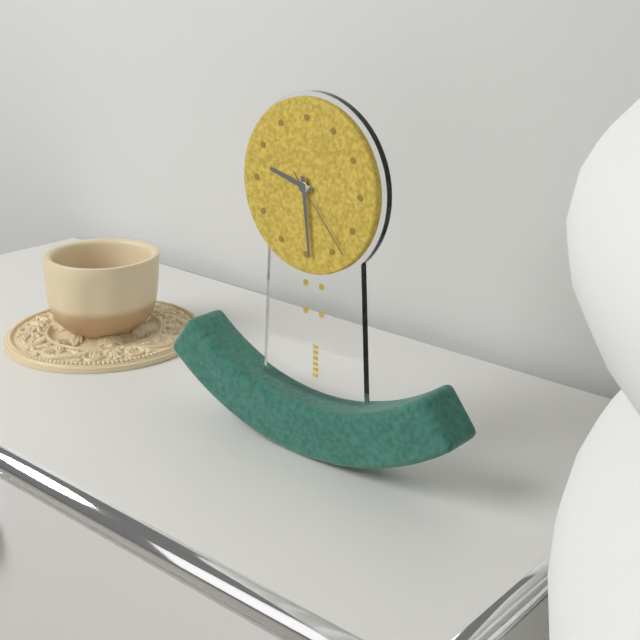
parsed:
9:29:23
